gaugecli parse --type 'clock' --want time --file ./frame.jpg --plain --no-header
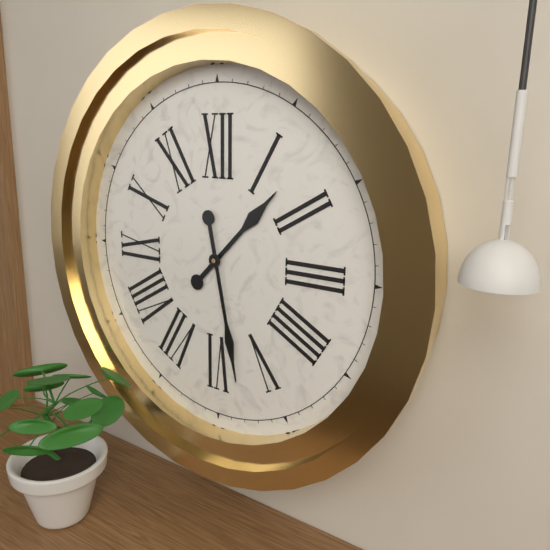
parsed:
1:28
